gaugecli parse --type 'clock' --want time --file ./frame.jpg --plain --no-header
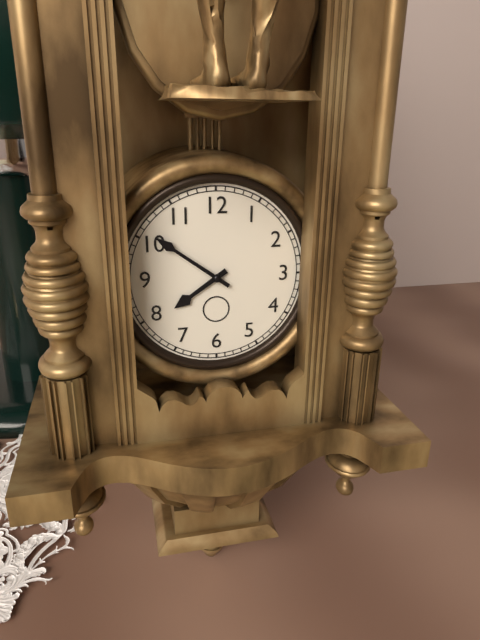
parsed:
7:51
